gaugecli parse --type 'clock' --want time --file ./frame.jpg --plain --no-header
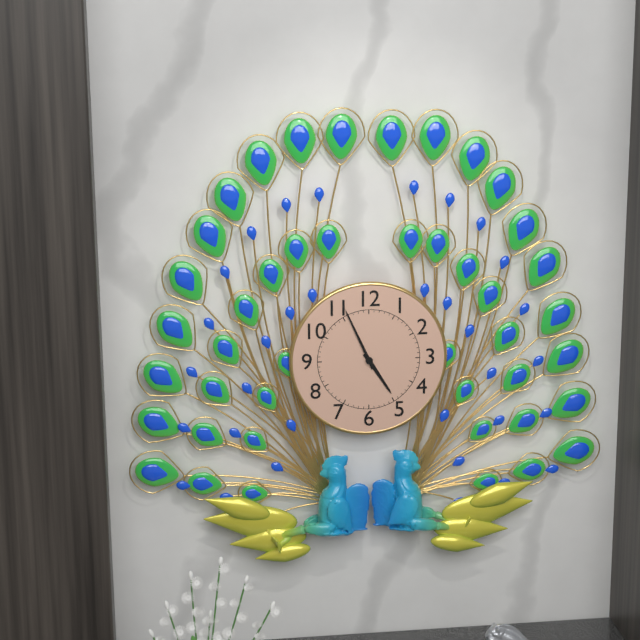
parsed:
4:56
